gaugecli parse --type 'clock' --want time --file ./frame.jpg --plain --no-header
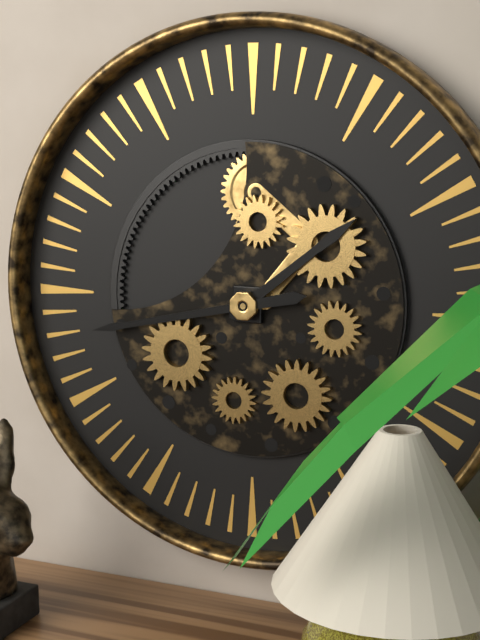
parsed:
1:43
